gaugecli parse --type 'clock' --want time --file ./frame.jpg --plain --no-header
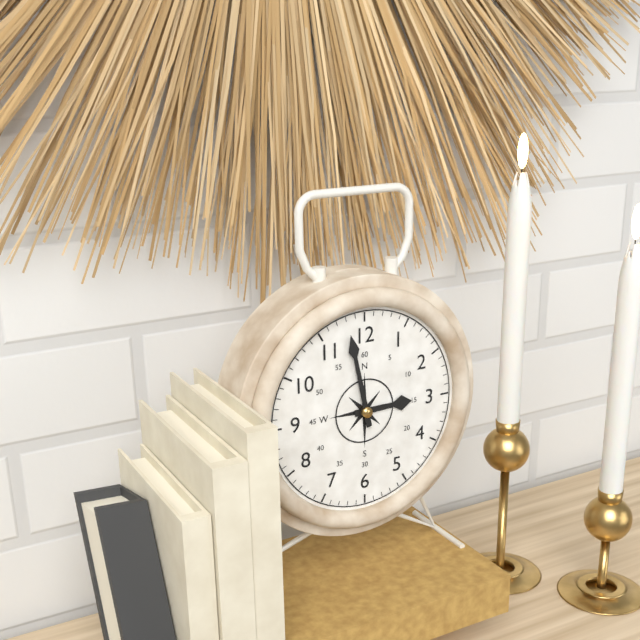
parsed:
2:58
